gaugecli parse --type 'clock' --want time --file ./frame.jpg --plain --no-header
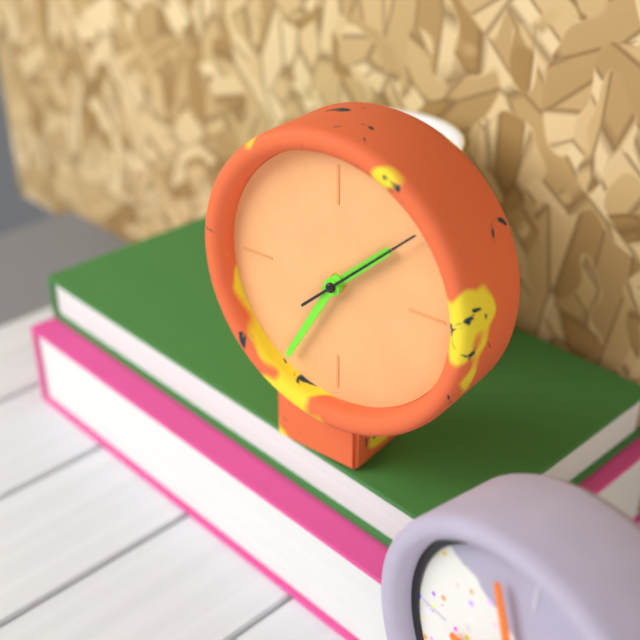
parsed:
1:35:08
